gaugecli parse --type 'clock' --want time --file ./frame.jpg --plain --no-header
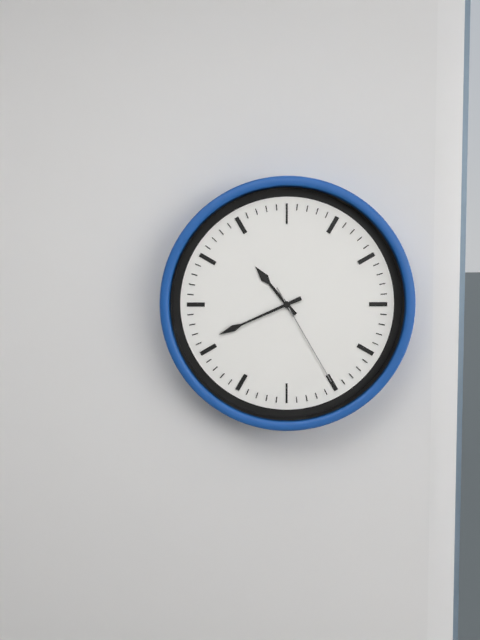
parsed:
10:41:25
